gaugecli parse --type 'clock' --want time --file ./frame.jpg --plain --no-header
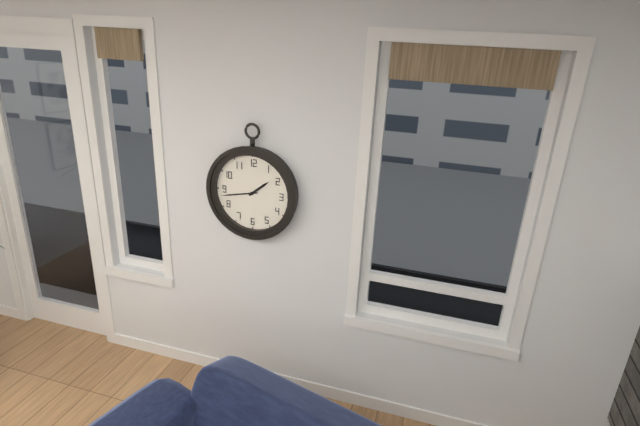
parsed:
1:43
